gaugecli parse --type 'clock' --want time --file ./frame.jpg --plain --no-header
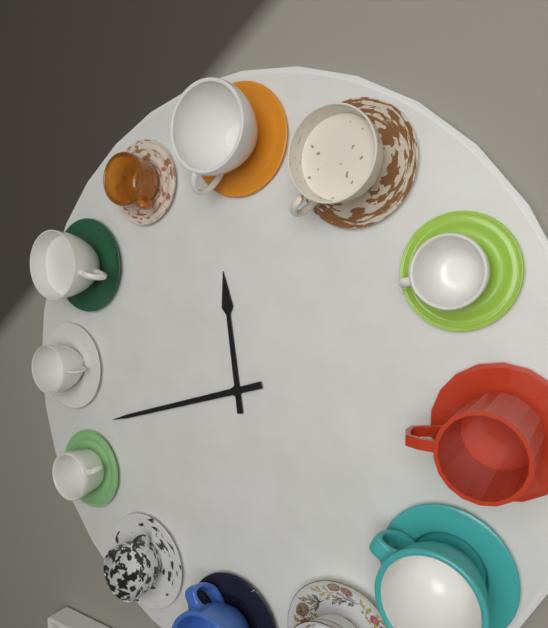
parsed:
11:42
